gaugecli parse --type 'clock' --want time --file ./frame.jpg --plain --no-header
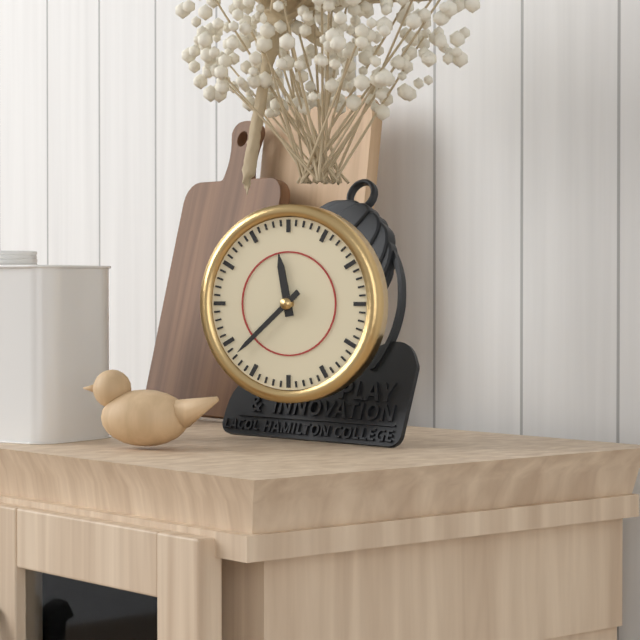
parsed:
11:38
